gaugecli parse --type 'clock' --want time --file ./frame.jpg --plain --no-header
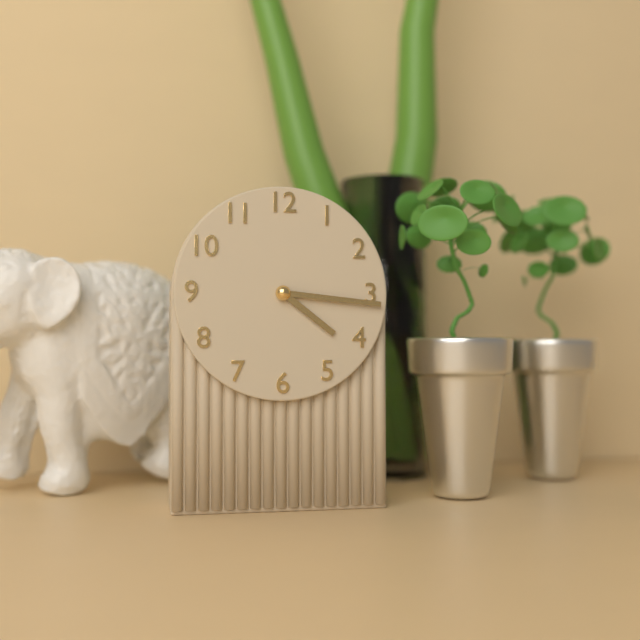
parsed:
4:16
